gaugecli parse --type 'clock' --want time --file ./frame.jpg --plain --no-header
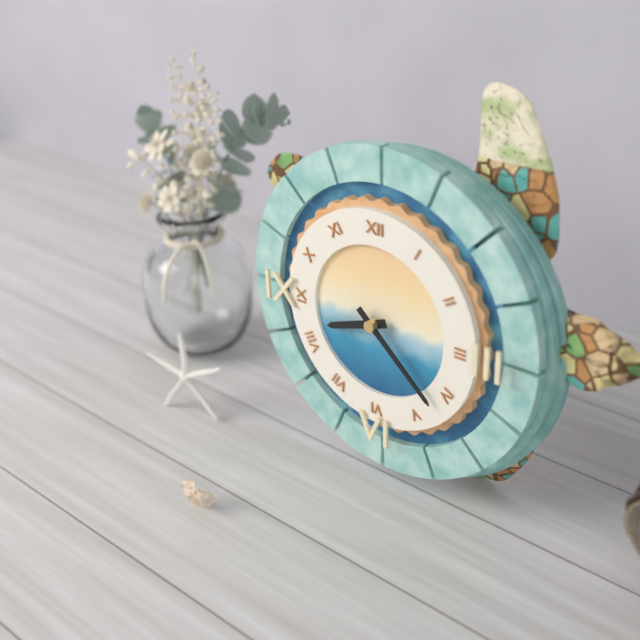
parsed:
8:22
